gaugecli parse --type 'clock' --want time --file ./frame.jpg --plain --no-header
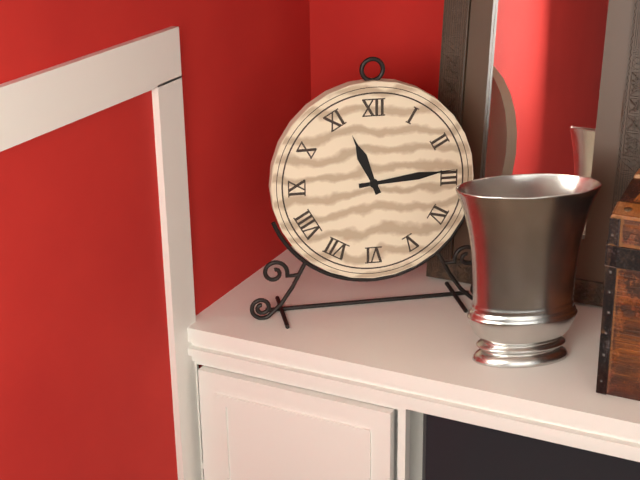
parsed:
11:14
